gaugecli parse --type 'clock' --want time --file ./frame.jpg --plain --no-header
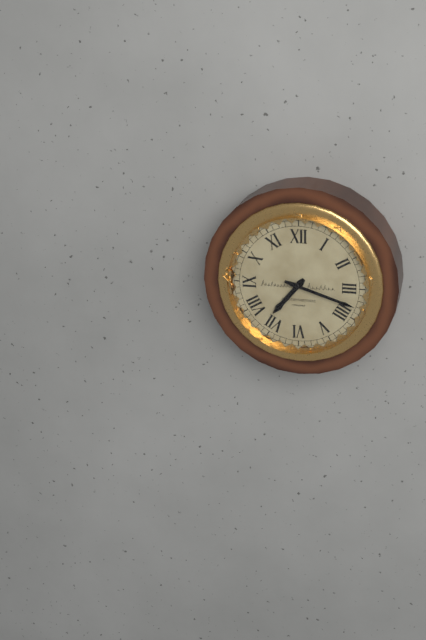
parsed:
7:18
